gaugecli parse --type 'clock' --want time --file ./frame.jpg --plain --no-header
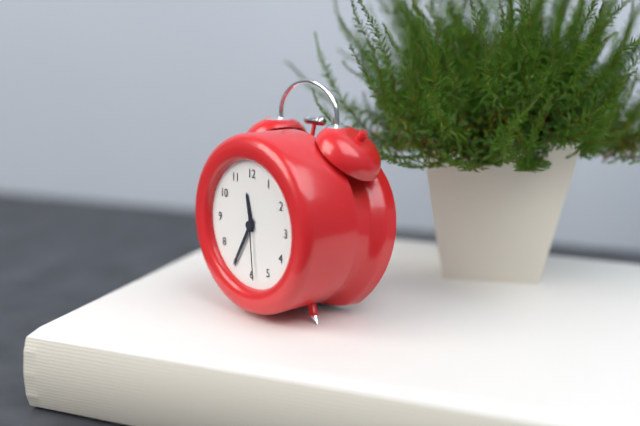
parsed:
11:35:29
